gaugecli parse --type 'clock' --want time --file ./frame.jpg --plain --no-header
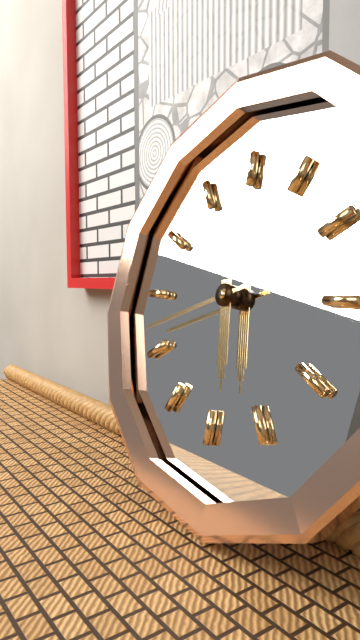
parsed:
5:42
